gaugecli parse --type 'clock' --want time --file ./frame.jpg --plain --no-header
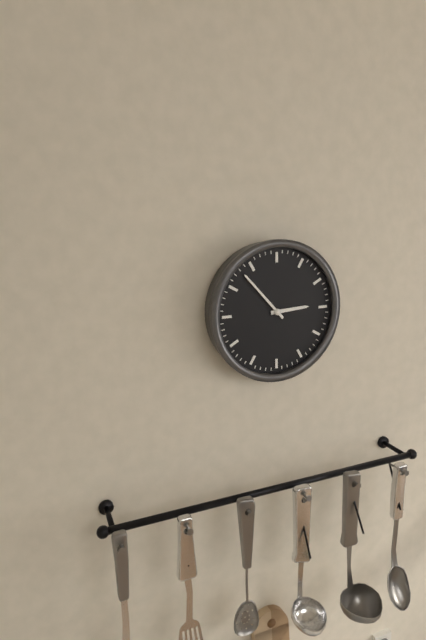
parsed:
2:53
